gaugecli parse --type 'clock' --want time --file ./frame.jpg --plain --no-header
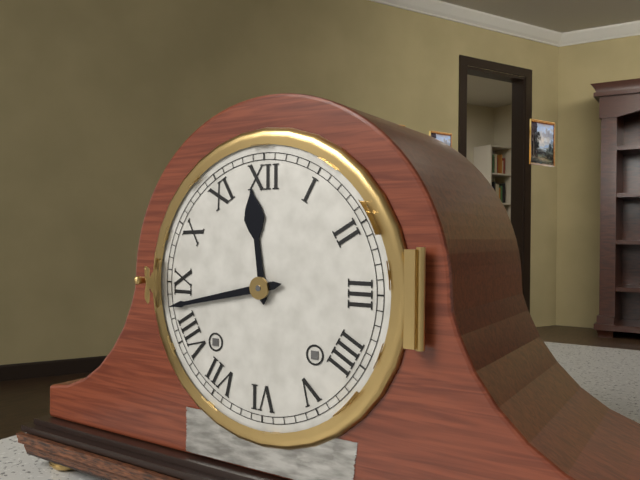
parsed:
11:43
